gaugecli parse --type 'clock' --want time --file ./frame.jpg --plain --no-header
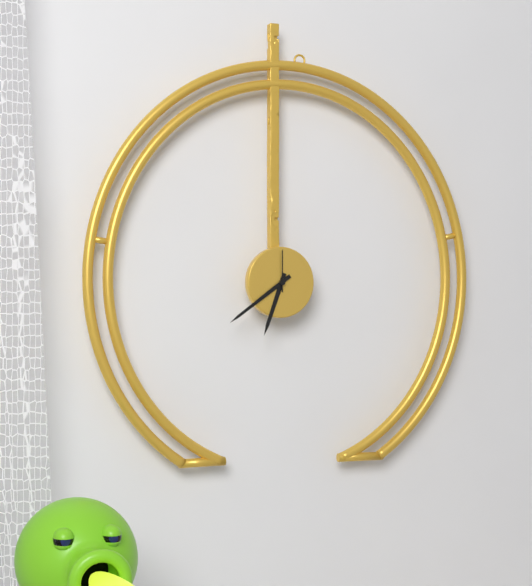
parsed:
6:39
